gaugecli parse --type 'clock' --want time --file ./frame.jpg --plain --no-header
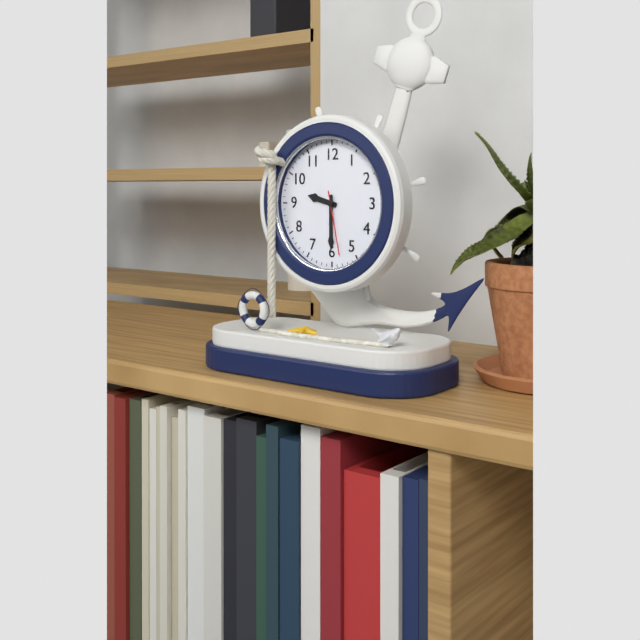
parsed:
9:30:28
